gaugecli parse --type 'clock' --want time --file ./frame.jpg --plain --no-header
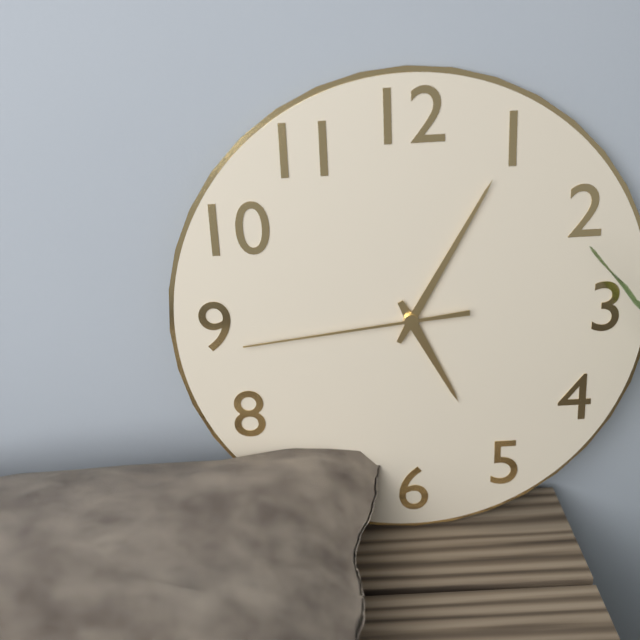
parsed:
5:05:44
